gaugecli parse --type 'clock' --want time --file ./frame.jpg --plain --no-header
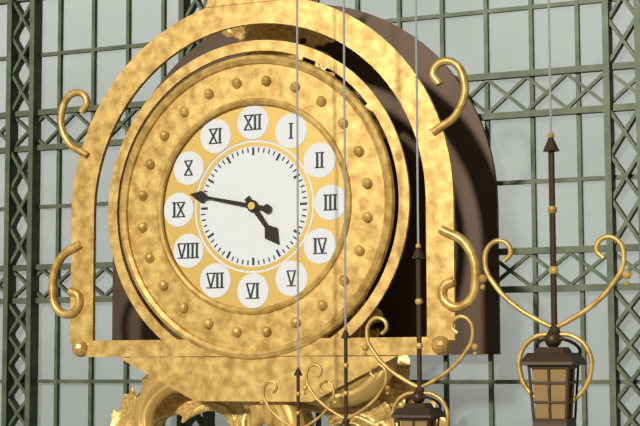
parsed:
4:47
